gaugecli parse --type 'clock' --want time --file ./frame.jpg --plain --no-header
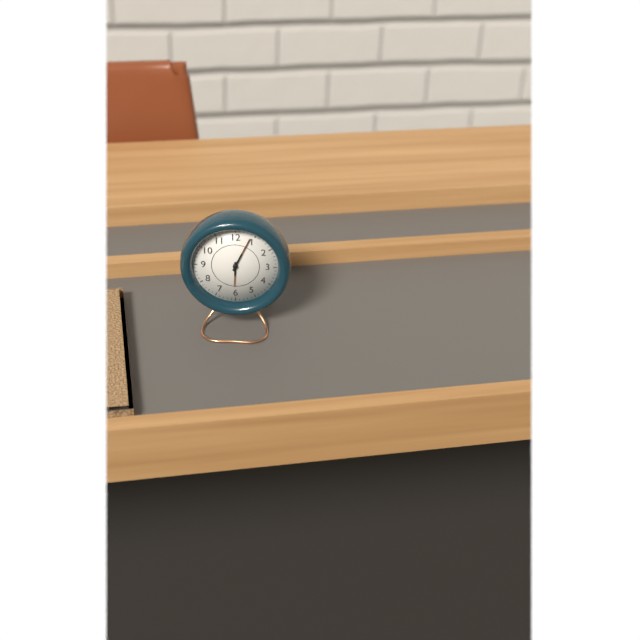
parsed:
6:04
